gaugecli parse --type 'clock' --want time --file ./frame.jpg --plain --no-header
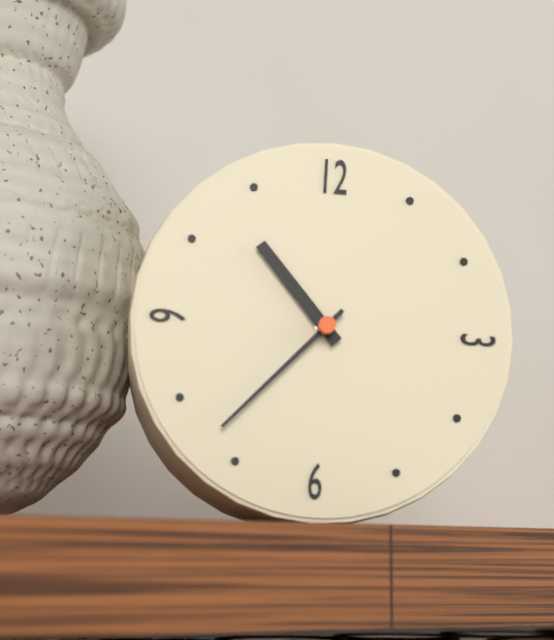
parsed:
10:37
